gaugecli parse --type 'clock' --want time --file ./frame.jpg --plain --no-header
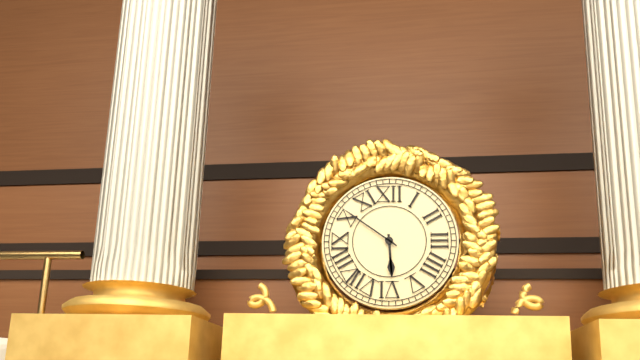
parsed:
5:51
